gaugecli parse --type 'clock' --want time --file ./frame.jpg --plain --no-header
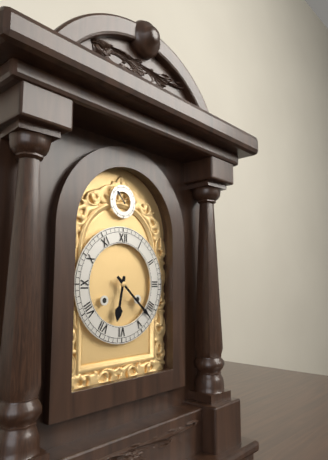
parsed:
6:22
